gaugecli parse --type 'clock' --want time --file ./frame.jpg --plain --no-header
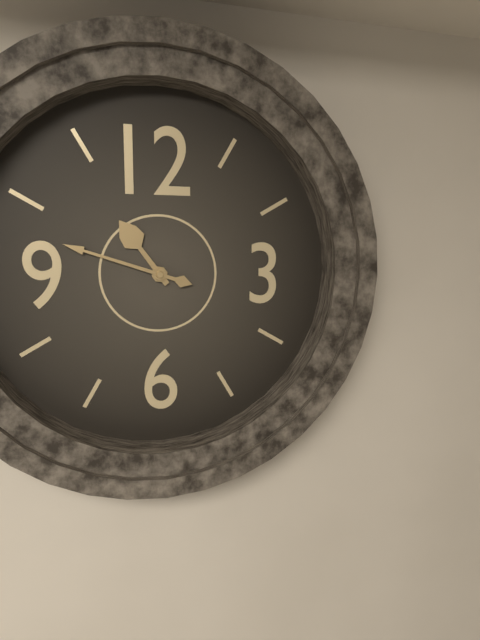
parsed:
10:48
